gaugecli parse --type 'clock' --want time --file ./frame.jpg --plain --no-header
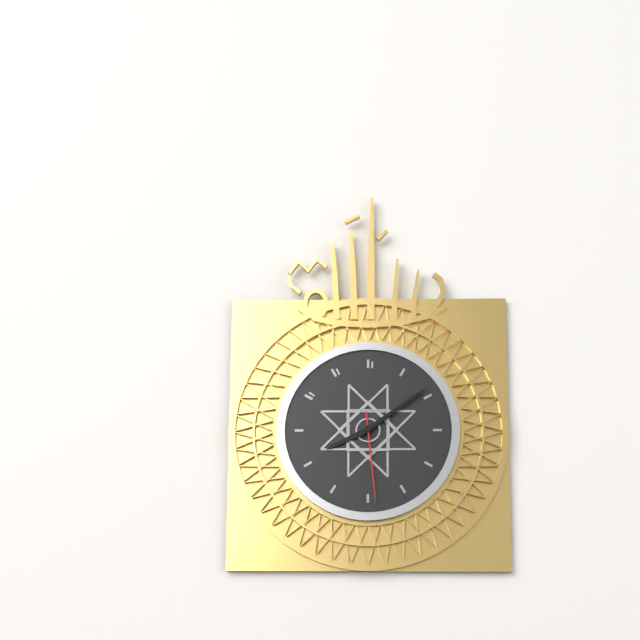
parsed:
8:09:29
